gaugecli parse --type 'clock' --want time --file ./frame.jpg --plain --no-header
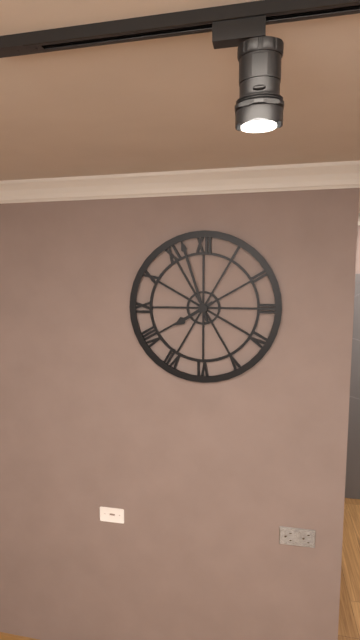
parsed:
7:57
